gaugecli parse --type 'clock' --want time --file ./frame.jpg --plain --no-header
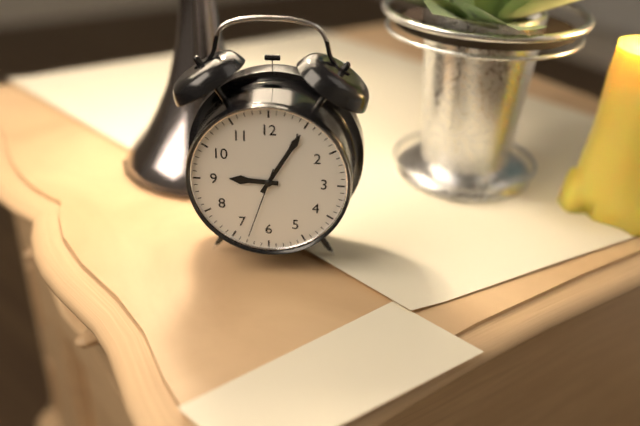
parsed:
9:05:33
